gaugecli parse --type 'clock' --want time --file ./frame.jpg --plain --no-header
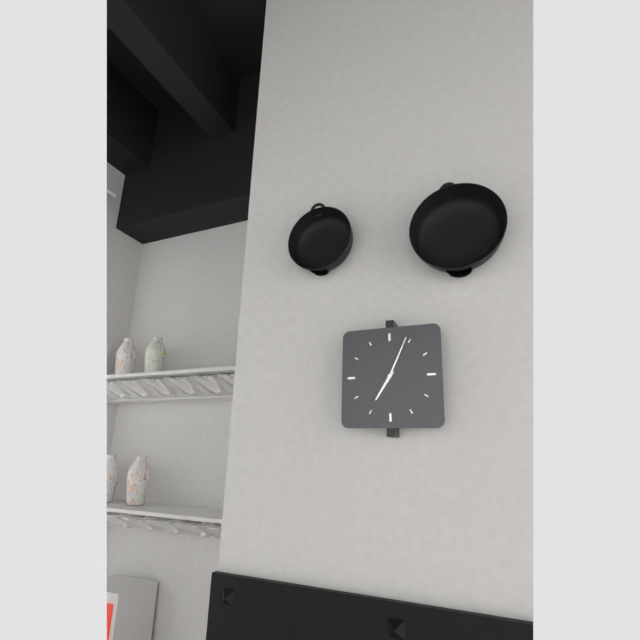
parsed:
7:04
